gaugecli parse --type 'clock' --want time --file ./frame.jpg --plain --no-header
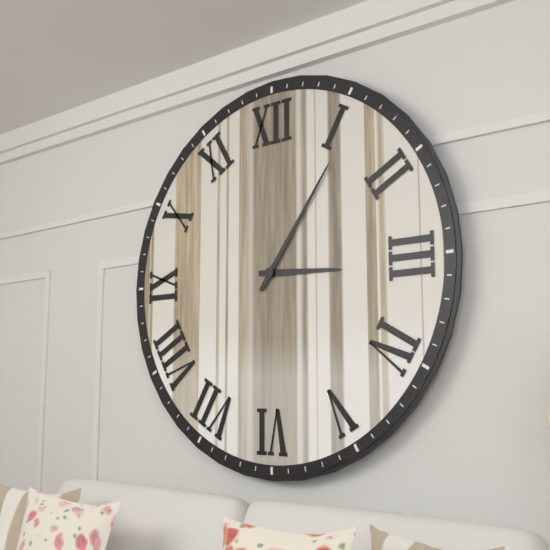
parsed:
3:06
